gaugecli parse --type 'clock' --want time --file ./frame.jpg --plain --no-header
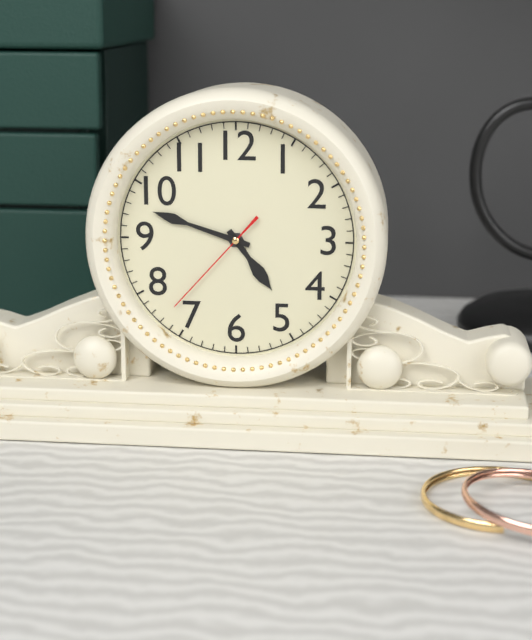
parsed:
4:48:37
